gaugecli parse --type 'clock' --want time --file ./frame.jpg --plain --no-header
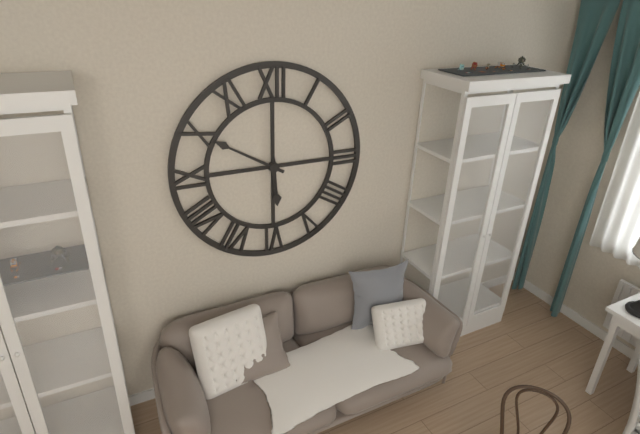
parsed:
5:50
